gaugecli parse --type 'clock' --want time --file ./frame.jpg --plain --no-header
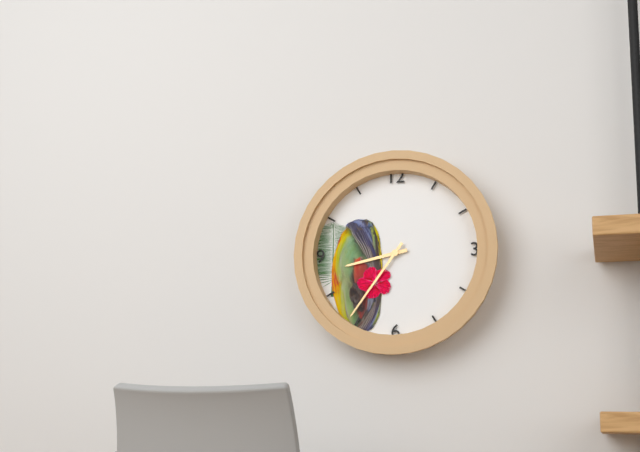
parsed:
8:36
